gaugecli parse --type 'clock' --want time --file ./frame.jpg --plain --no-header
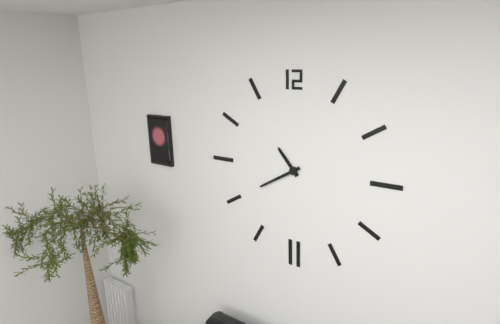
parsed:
10:40
